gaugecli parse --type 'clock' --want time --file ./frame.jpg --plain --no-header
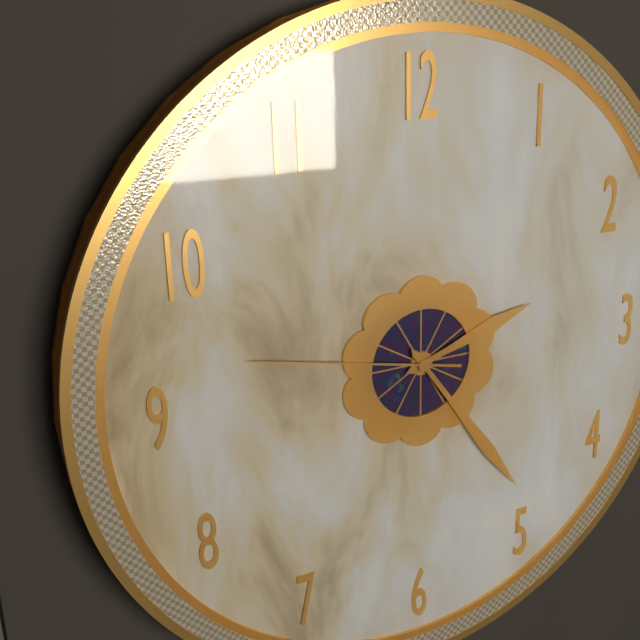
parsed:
2:24:47
